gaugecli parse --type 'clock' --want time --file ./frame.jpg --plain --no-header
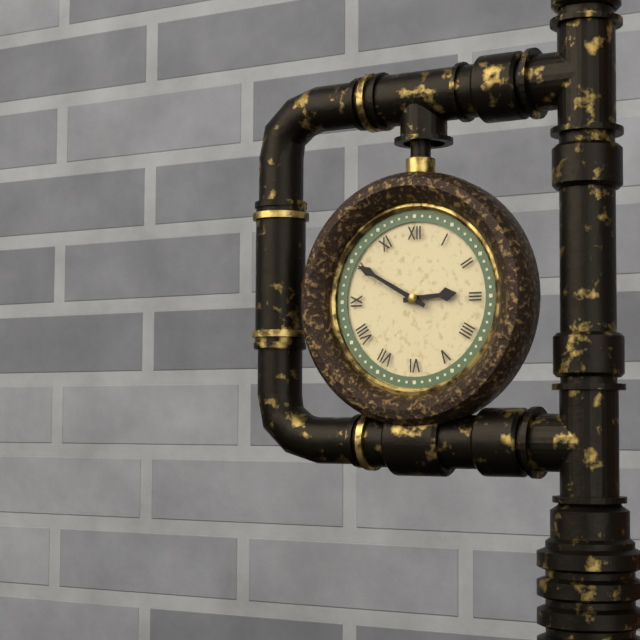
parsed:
2:50
